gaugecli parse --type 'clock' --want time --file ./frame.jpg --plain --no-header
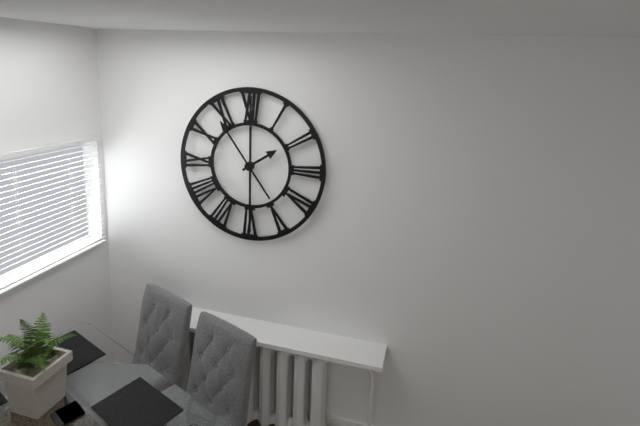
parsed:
1:54
